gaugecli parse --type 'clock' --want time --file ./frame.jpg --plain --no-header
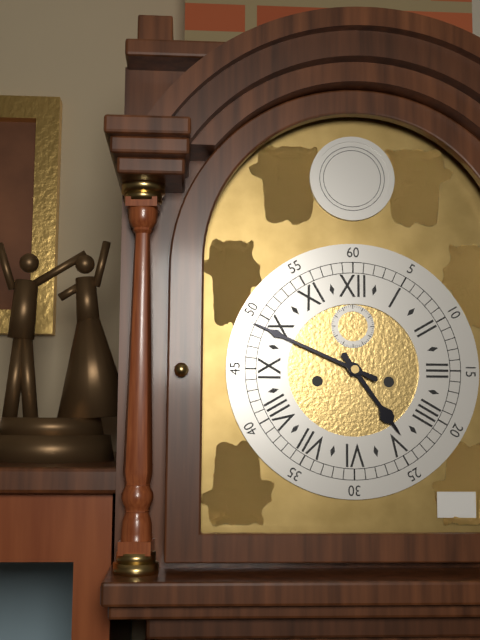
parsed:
4:49
